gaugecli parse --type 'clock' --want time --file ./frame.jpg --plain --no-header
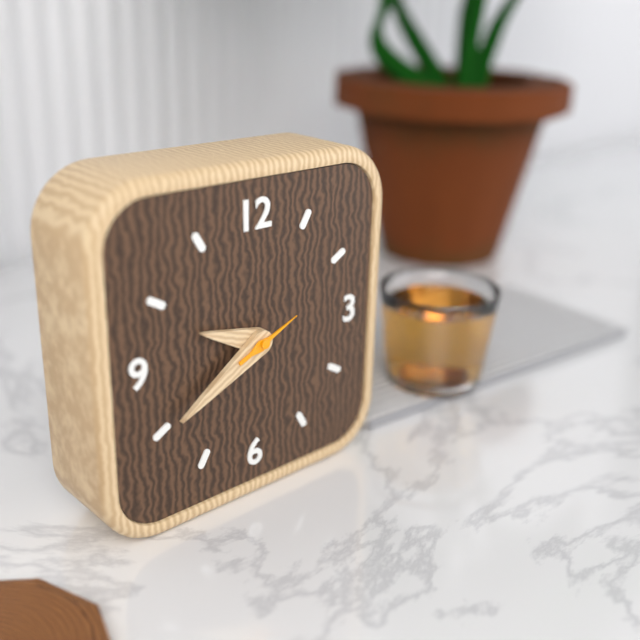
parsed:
9:40:11
